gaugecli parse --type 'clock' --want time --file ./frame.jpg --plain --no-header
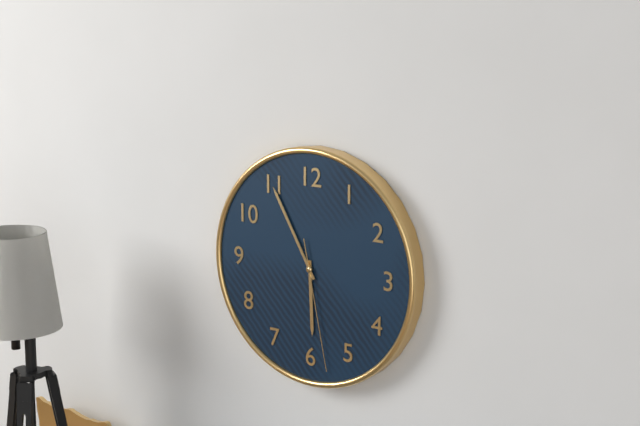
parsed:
5:55:28
